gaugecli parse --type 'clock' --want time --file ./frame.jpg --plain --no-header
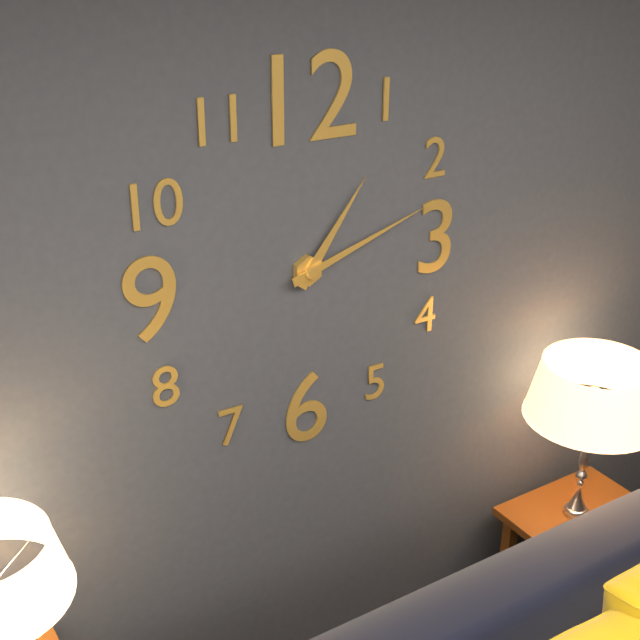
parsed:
1:12
